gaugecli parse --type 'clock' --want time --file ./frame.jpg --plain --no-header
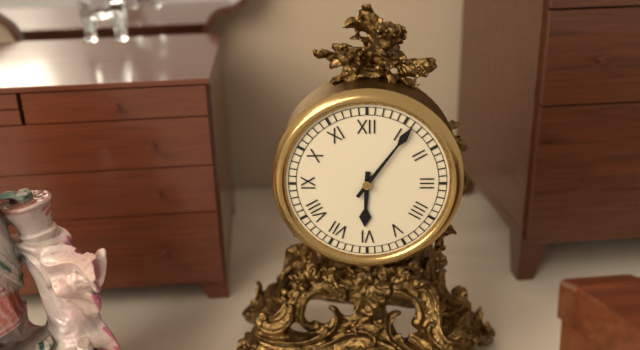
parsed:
6:06
